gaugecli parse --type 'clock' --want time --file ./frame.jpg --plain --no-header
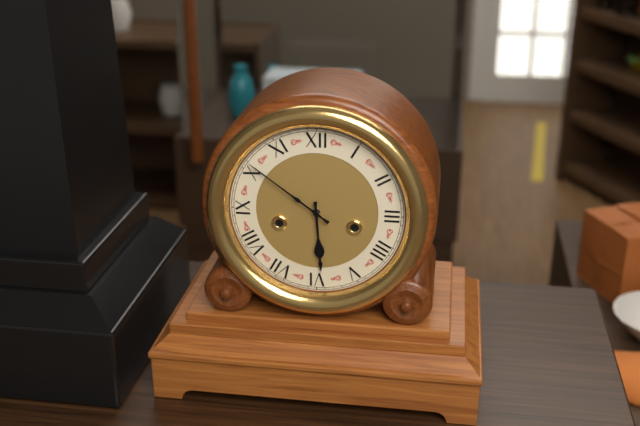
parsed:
5:51
